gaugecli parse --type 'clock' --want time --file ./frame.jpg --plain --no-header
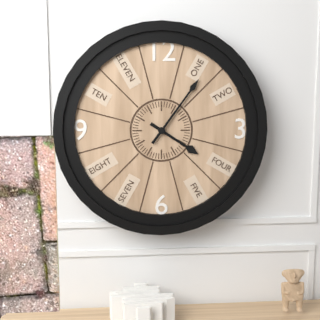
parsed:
4:06
